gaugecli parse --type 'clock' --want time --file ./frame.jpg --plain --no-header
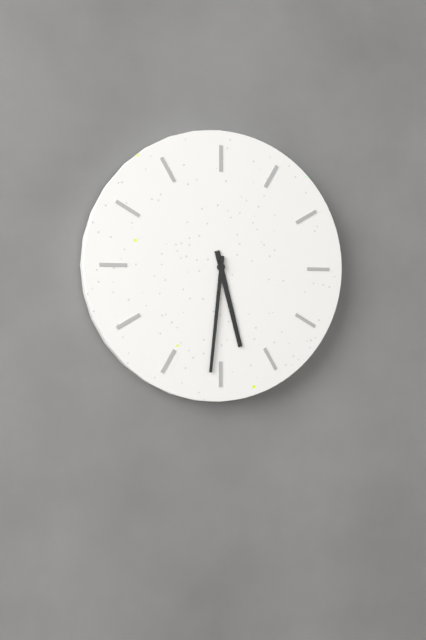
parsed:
5:31
